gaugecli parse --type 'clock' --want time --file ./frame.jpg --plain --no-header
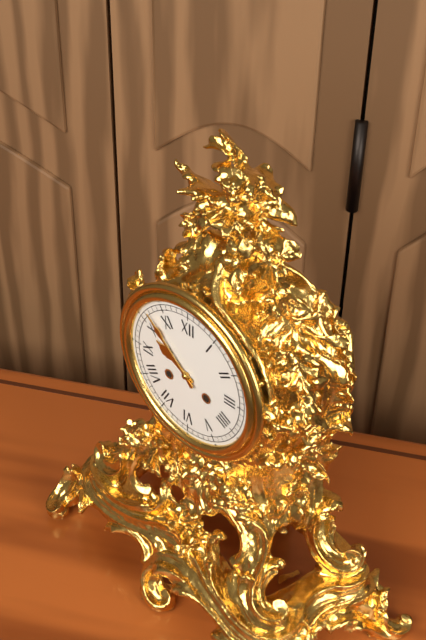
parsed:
9:52
